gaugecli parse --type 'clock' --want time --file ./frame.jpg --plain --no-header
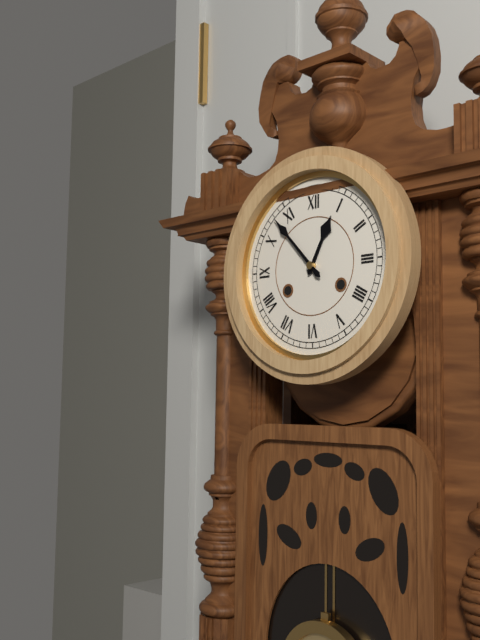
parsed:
12:53
